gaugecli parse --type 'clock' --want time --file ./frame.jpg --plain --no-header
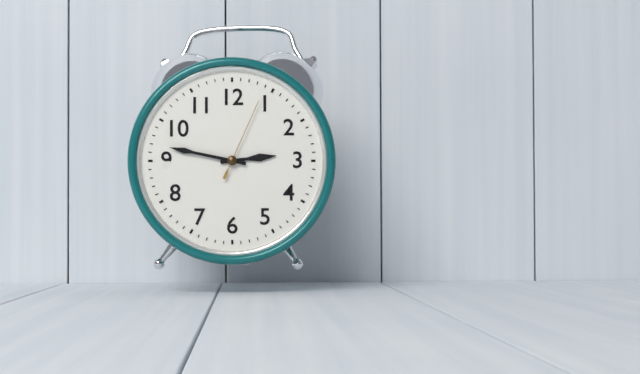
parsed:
2:47:04
